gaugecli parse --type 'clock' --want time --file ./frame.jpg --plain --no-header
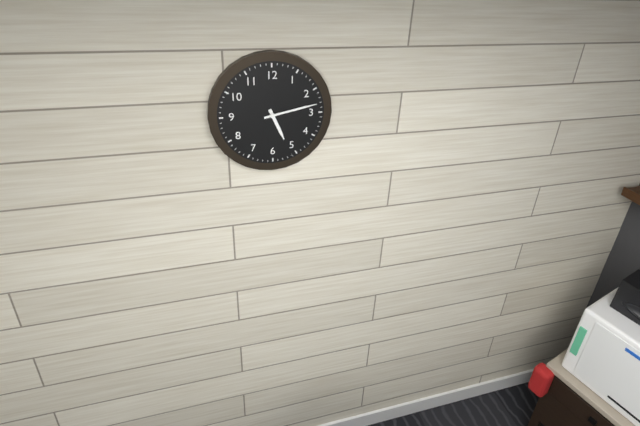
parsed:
5:13
